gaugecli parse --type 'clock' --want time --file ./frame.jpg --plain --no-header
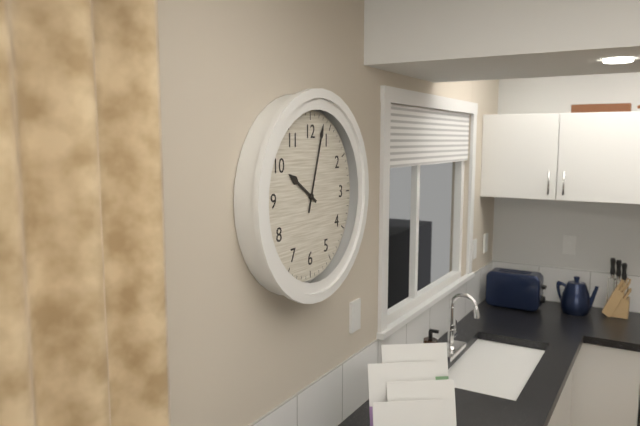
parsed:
10:03
